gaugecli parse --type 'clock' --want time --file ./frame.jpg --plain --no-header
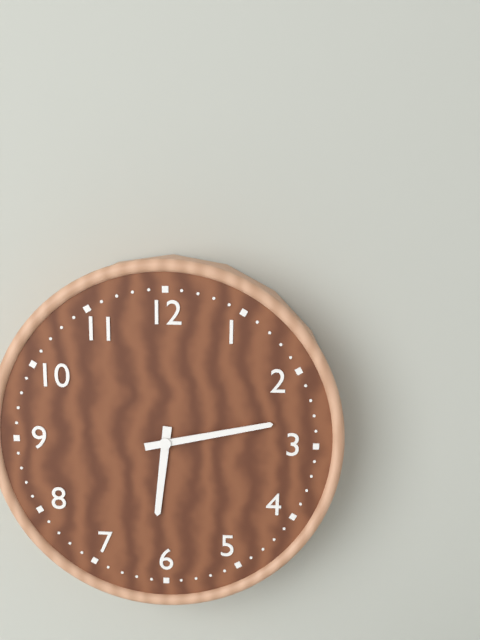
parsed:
6:13
